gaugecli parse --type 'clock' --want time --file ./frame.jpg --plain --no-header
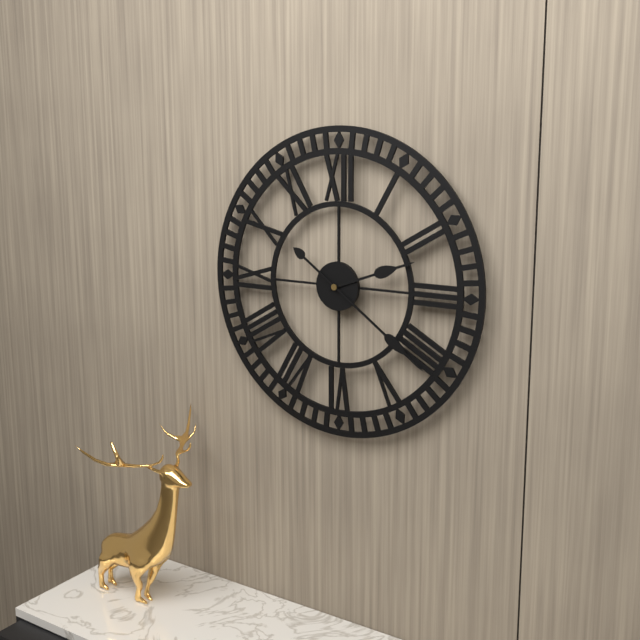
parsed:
2:21
